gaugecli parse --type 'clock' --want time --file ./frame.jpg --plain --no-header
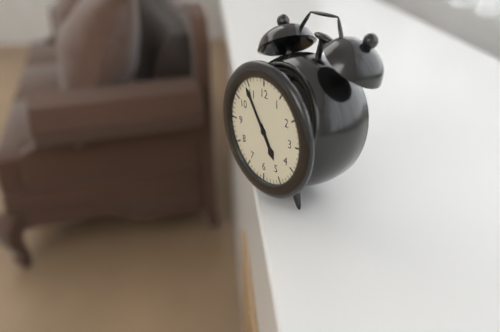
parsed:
4:54
